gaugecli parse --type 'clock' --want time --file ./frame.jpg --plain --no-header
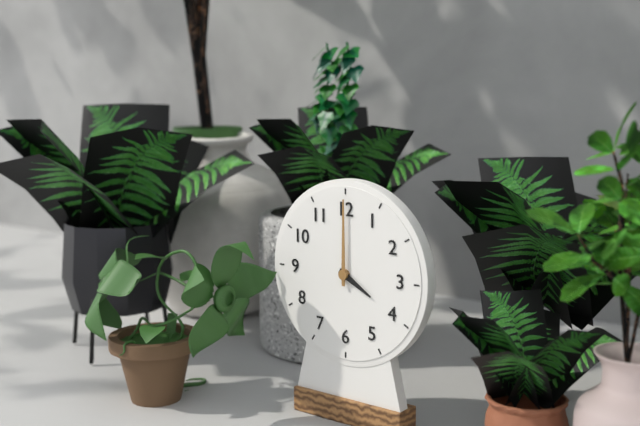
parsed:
4:00
